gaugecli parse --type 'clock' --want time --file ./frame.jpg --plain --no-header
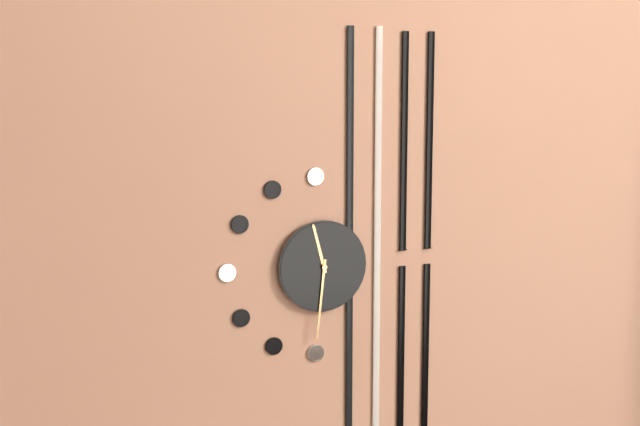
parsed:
11:31
